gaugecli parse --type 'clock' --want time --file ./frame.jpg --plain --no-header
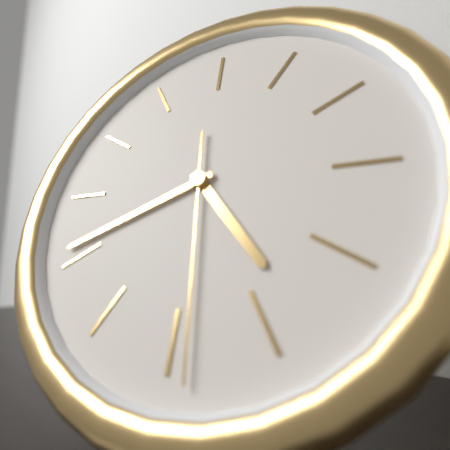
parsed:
4:41:29
